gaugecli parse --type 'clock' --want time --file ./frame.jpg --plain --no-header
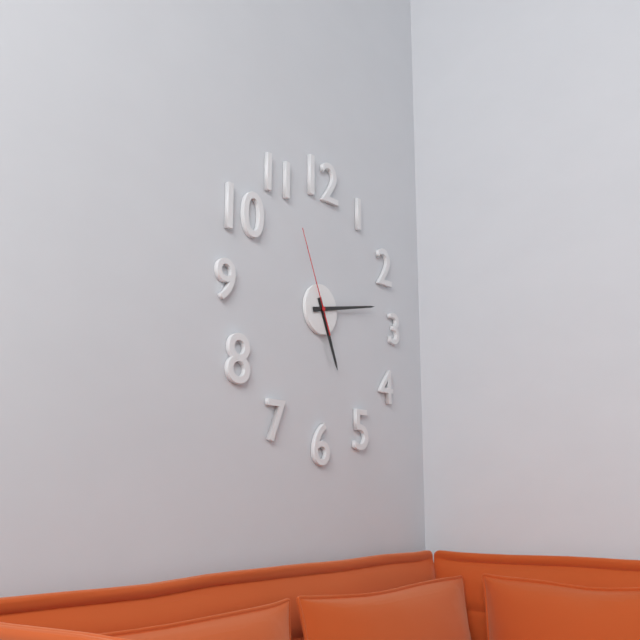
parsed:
5:13:56
